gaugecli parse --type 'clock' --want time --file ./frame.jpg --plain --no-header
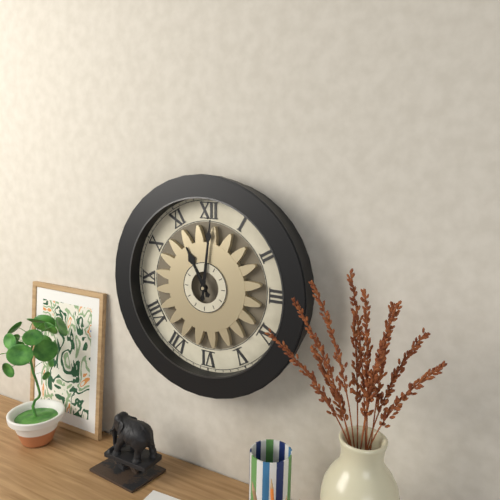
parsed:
11:01
